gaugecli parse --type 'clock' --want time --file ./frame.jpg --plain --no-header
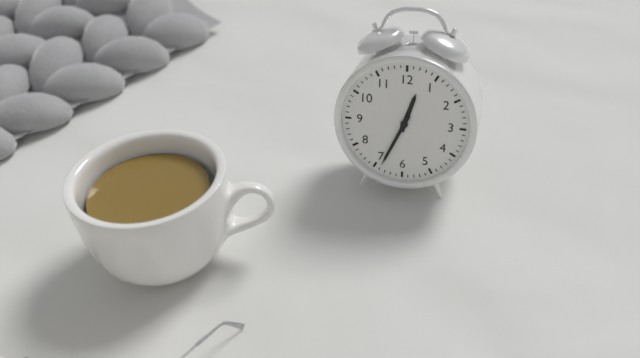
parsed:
12:34
